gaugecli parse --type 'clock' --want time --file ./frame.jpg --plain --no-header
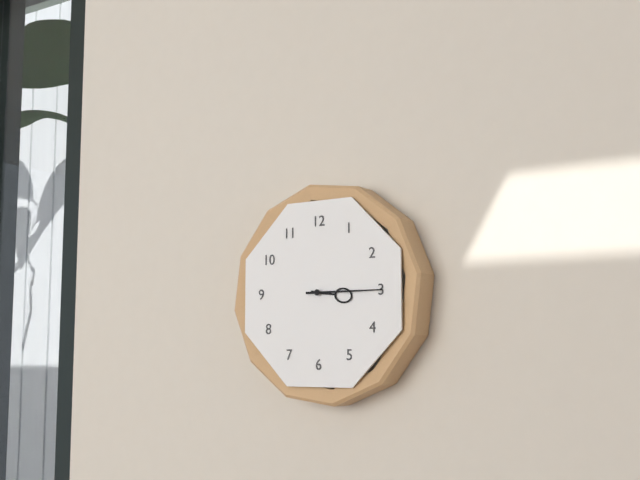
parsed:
3:15
